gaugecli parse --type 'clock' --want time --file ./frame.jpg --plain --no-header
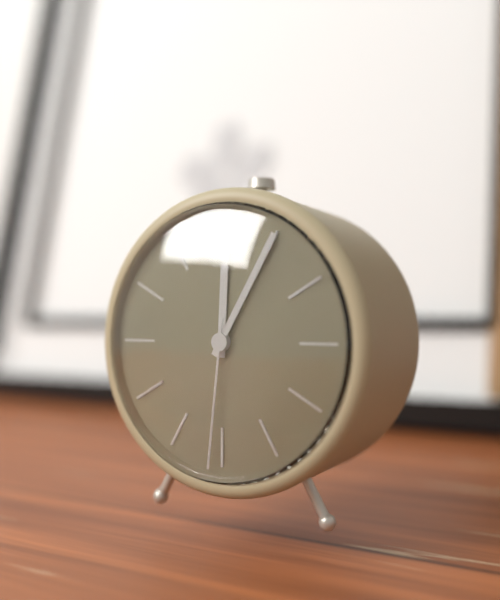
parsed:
12:05:31
